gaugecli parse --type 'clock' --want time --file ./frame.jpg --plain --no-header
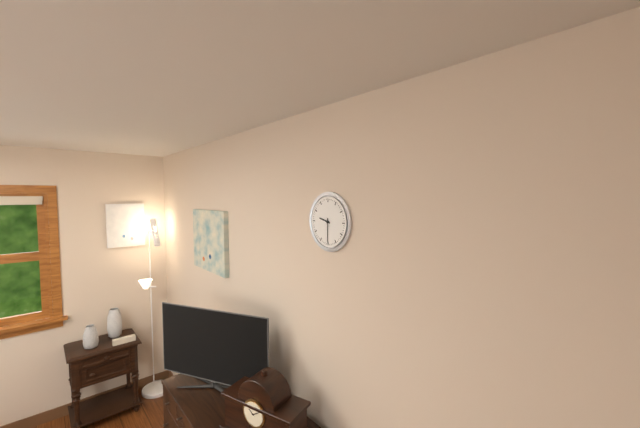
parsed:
9:30
